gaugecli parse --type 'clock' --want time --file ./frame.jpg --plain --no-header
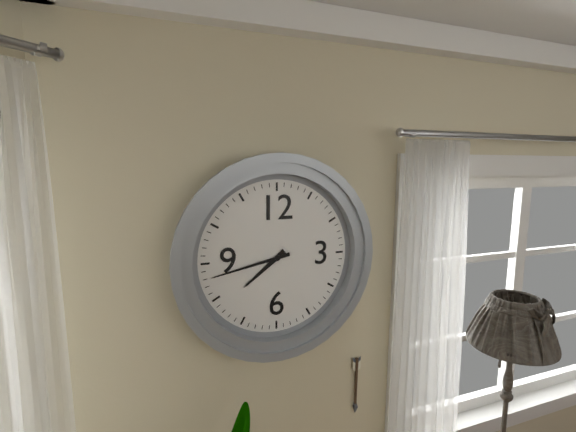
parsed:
7:43
